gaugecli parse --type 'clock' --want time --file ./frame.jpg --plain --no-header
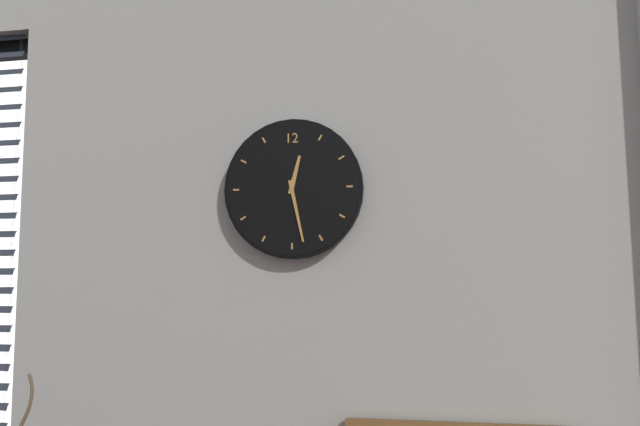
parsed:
12:28
